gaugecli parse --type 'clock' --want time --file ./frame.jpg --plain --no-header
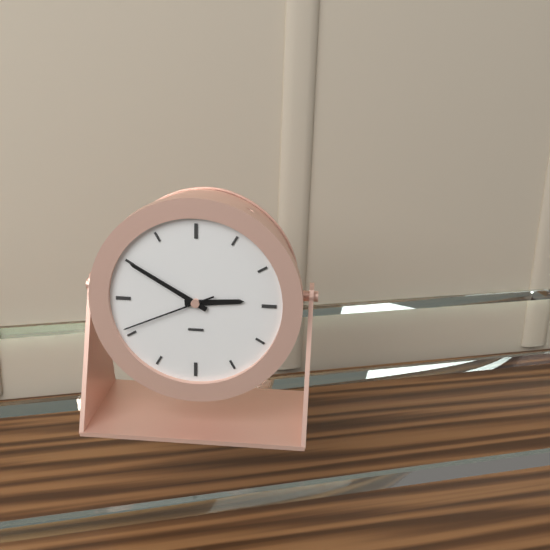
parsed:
2:50:41
